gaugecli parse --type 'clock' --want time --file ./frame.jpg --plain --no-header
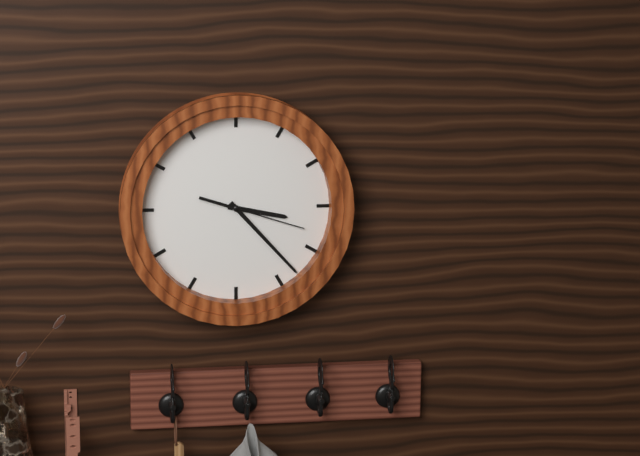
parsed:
3:23:18
